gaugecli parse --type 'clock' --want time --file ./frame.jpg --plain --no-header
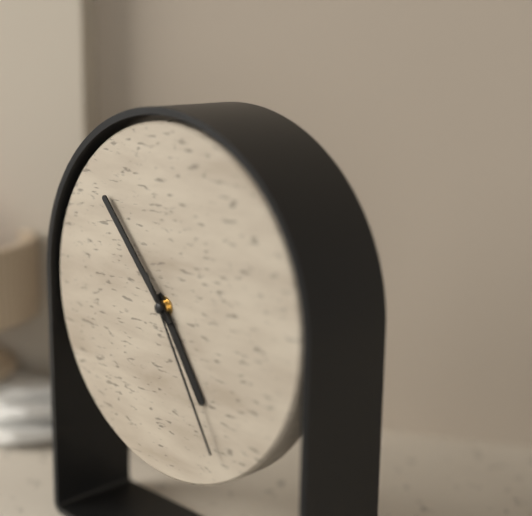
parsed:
4:53:25
